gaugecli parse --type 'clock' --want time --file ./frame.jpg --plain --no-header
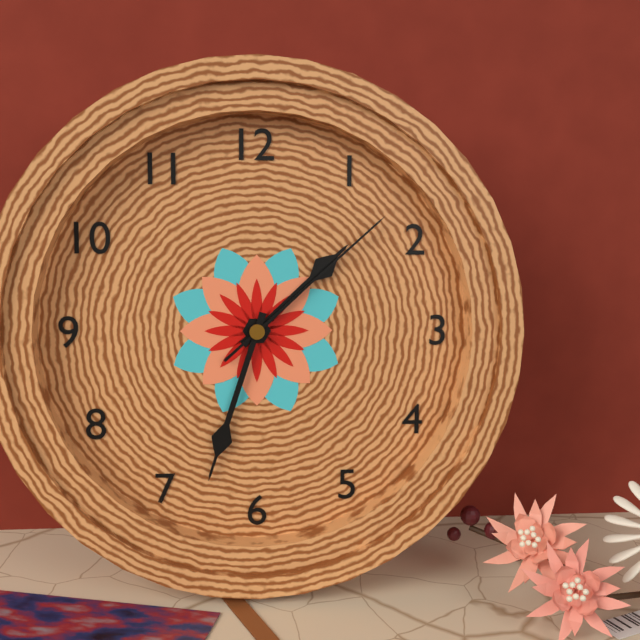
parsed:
1:33:08
